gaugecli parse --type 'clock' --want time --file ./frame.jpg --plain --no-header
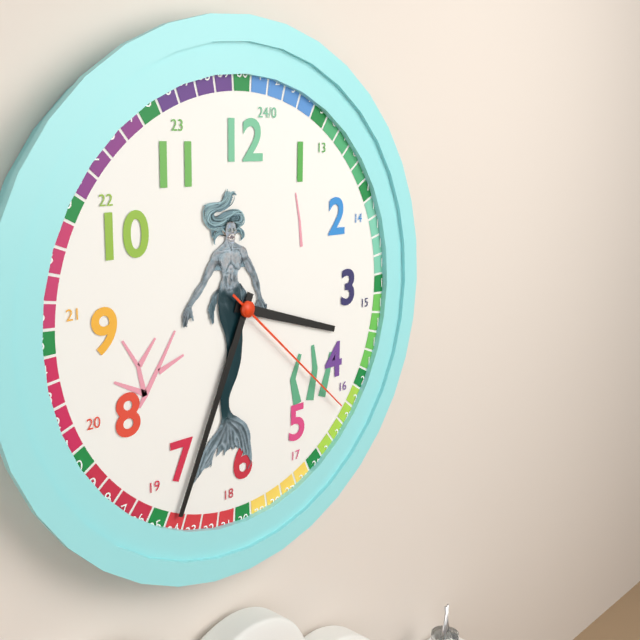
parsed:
3:34:22
